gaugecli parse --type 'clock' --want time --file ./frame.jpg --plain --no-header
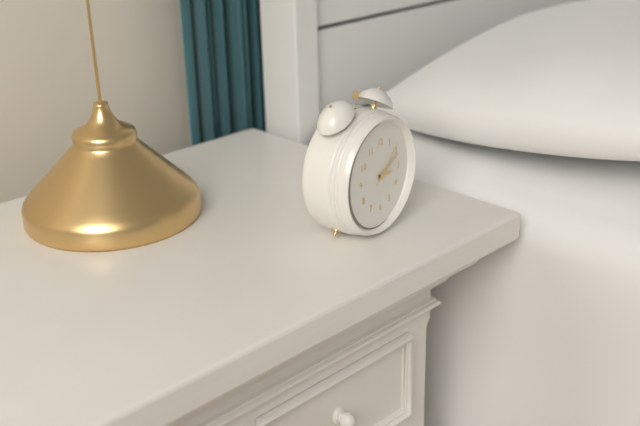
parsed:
3:11
